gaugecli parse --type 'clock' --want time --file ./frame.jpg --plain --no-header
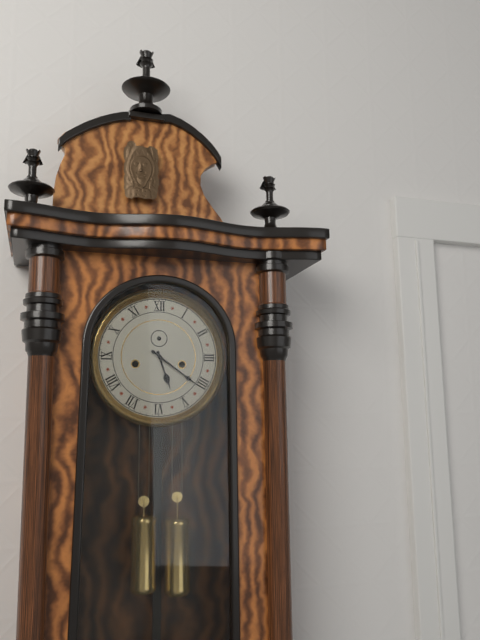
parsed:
5:21
